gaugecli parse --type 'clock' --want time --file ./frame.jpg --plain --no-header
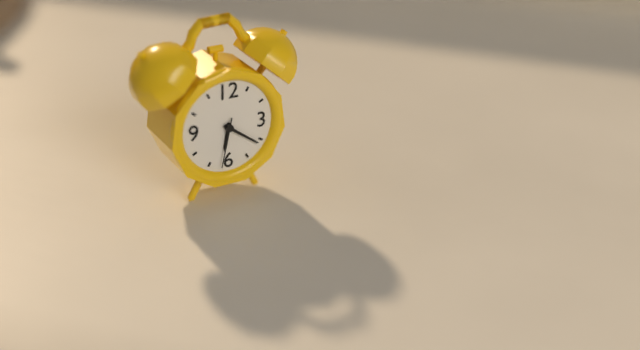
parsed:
6:21:32
